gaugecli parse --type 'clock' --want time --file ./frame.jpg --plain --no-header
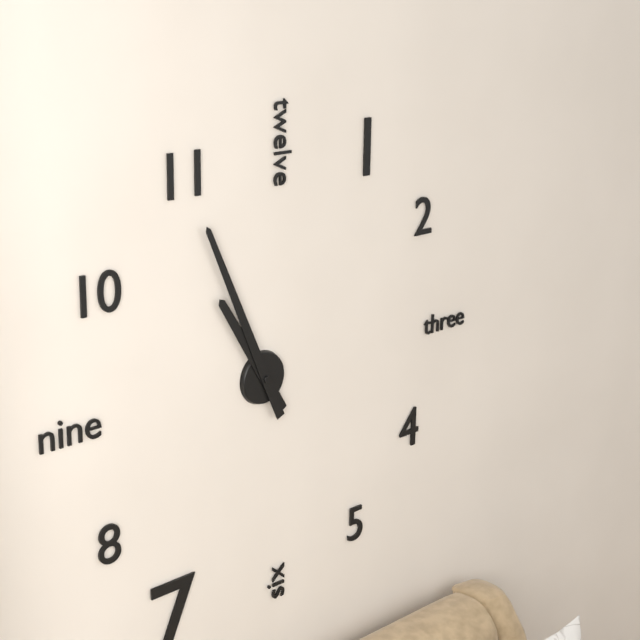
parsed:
10:56
